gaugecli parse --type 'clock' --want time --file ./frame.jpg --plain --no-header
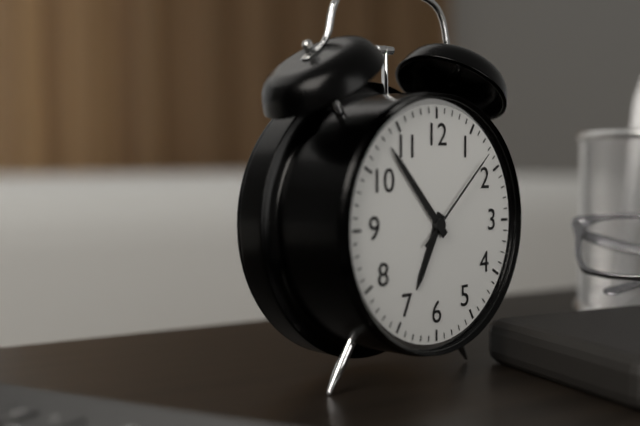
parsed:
6:53:08
